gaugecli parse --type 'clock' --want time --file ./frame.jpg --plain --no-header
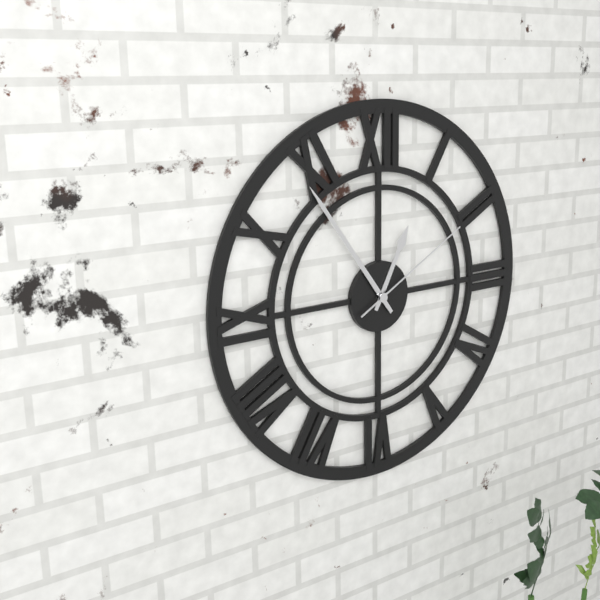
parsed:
12:54:10
